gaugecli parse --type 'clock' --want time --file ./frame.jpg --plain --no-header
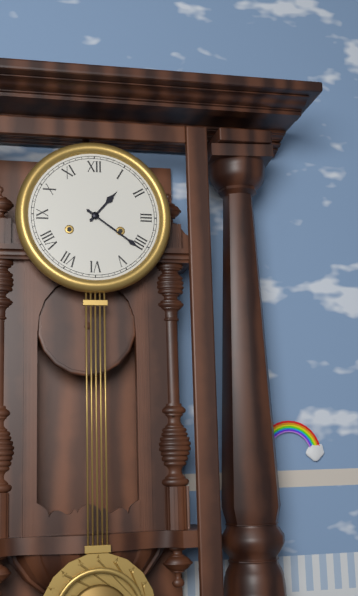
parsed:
1:21
